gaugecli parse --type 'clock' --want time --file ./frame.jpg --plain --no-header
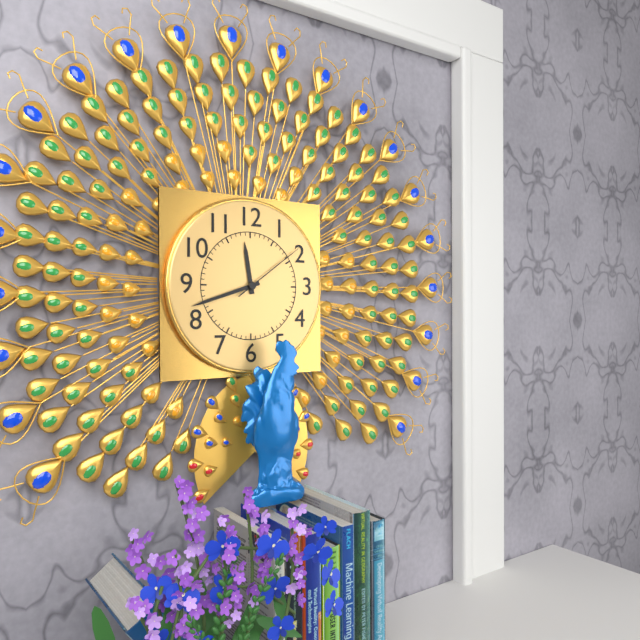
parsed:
11:42:09
